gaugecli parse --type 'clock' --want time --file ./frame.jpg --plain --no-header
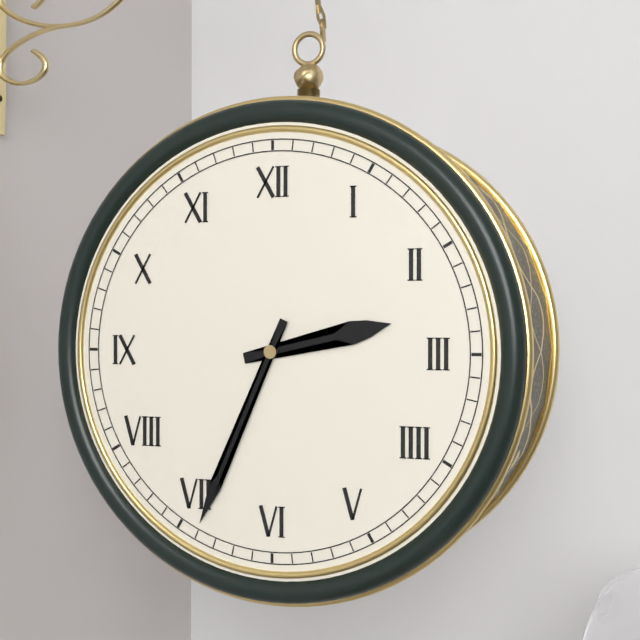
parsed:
2:34
